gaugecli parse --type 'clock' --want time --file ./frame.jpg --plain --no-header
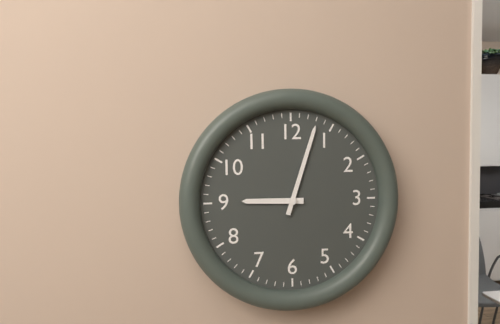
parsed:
9:03
